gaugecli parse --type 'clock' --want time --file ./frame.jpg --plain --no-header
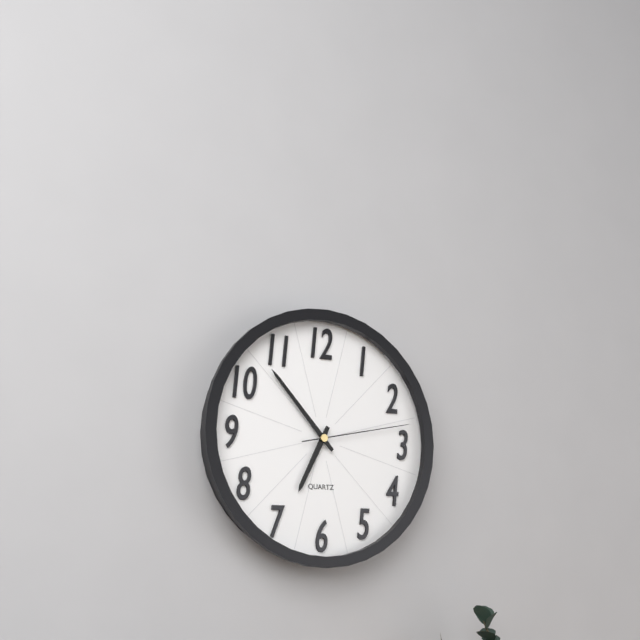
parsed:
6:53:13
